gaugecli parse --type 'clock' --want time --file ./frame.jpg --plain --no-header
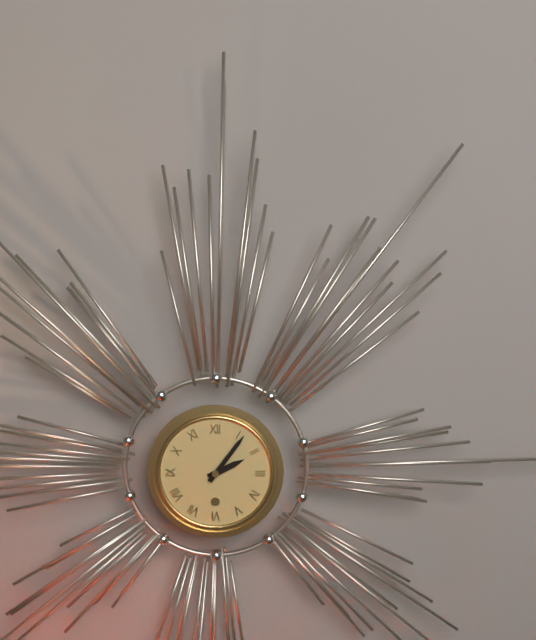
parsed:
2:06
